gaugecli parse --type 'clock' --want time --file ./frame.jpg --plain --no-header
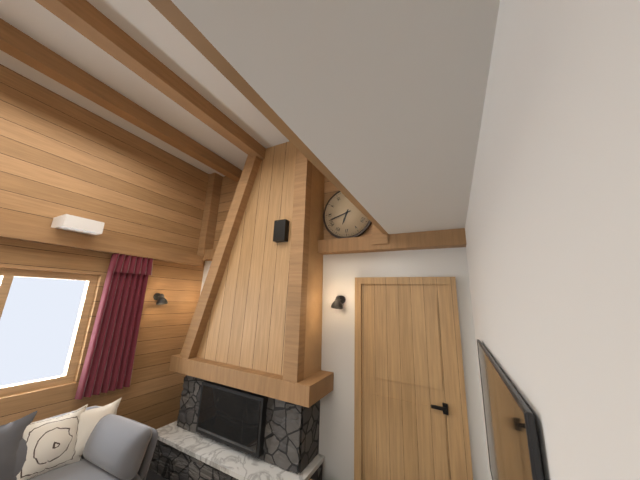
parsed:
6:42
